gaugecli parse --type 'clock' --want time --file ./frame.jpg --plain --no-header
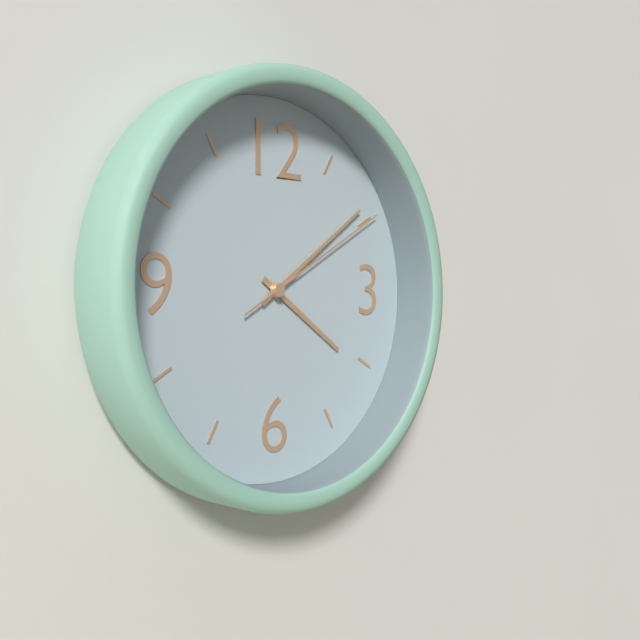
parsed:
4:09:10
